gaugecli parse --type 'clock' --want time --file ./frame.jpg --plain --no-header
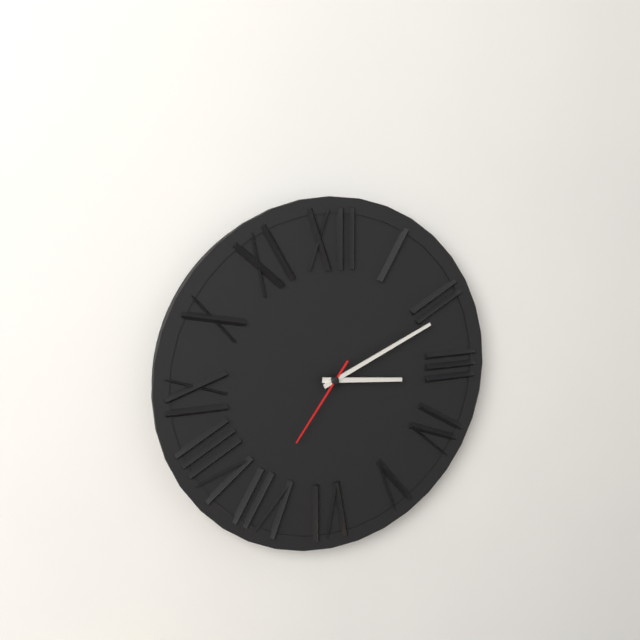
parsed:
3:11:36
